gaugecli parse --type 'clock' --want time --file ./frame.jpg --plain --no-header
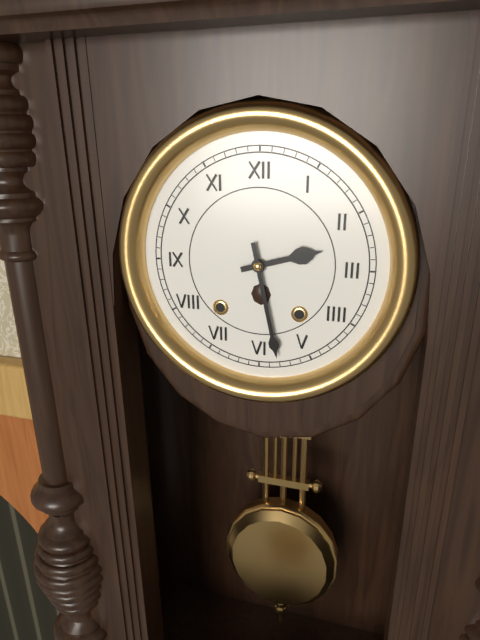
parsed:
2:28
